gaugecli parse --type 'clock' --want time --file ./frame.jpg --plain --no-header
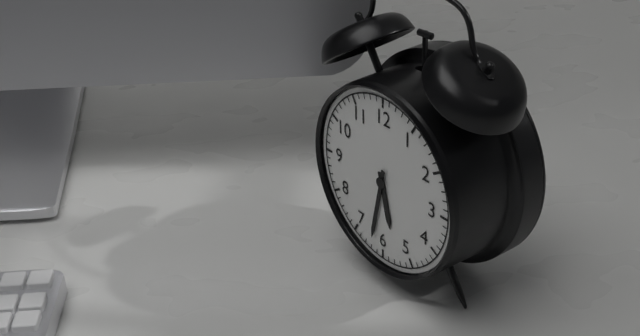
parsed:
5:32
